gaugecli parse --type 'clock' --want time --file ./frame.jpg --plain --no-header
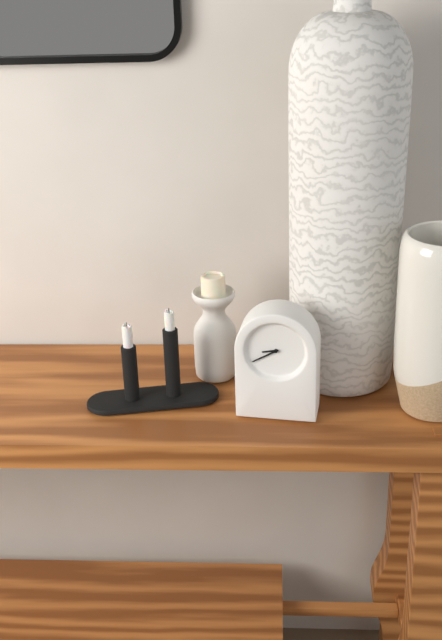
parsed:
8:40
